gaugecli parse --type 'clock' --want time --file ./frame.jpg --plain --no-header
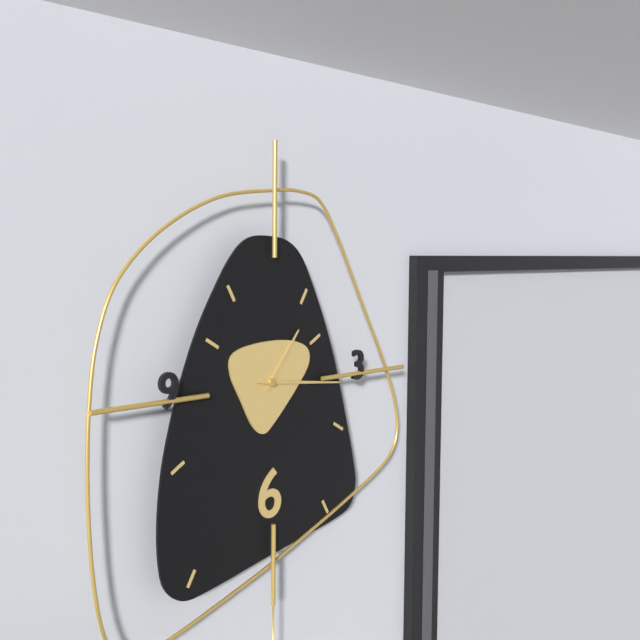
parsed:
1:16:16
